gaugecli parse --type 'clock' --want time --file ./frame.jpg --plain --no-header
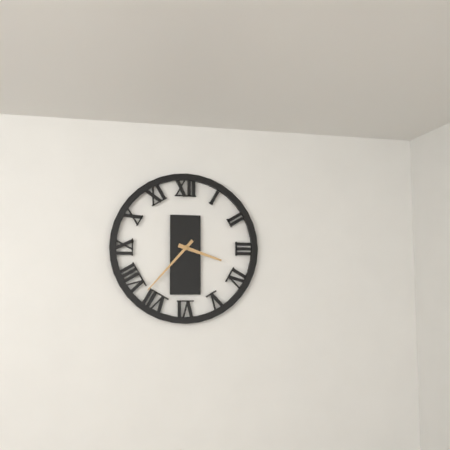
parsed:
3:37
